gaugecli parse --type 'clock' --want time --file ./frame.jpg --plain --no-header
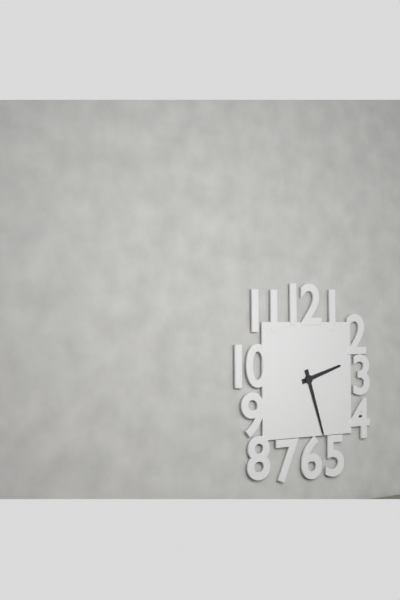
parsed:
2:27
